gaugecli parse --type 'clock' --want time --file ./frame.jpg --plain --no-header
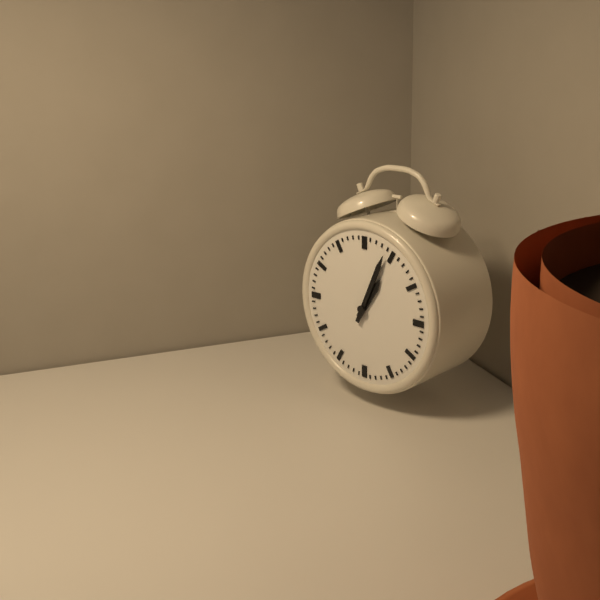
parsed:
1:04
